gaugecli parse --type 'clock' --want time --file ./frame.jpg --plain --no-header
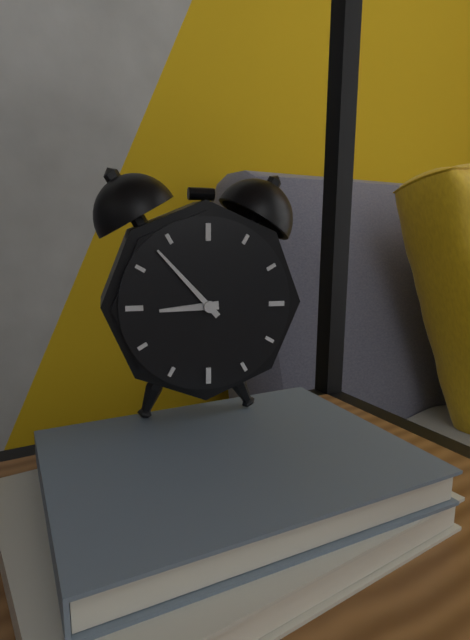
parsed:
8:53
